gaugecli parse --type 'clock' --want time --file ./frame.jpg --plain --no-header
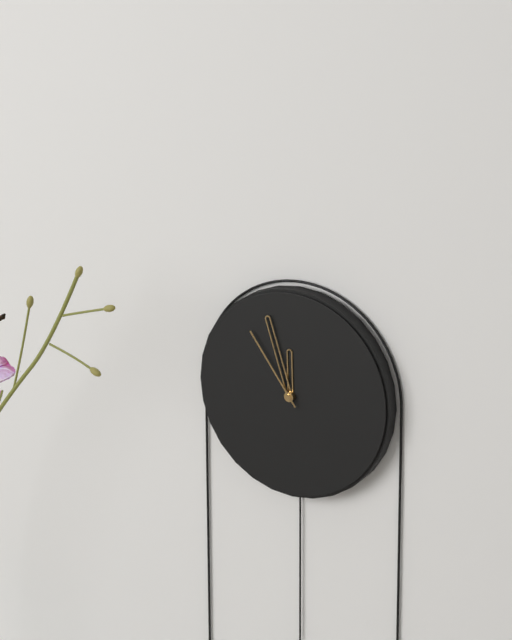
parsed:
11:57:54
